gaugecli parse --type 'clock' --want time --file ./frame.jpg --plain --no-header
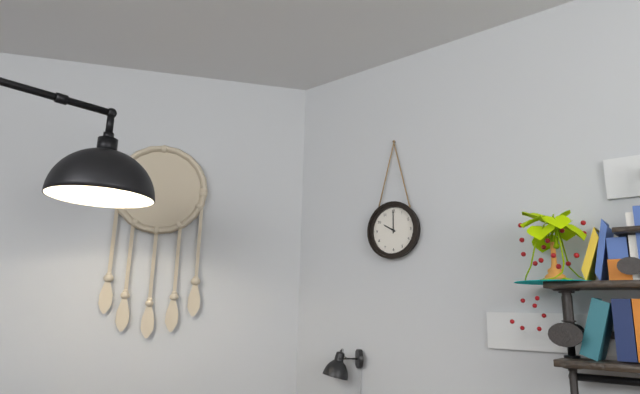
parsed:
10:00
